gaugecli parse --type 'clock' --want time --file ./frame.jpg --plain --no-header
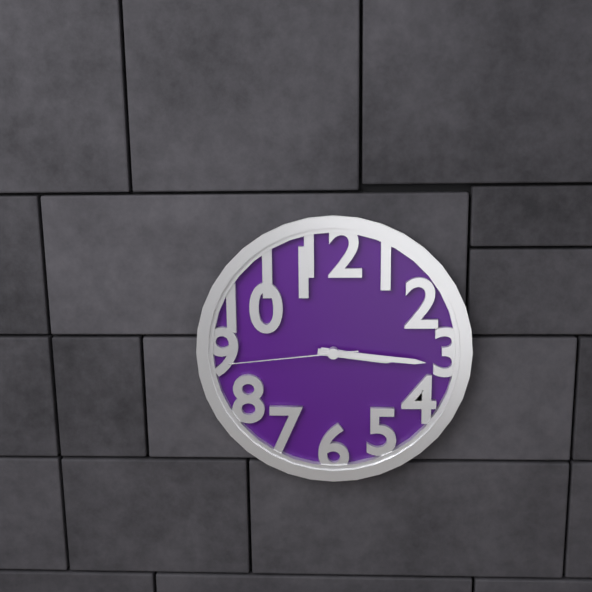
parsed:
3:16:44
